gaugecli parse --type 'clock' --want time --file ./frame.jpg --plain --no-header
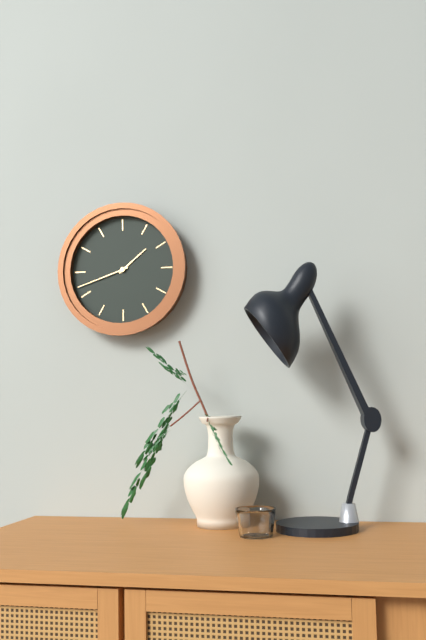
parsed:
1:42
